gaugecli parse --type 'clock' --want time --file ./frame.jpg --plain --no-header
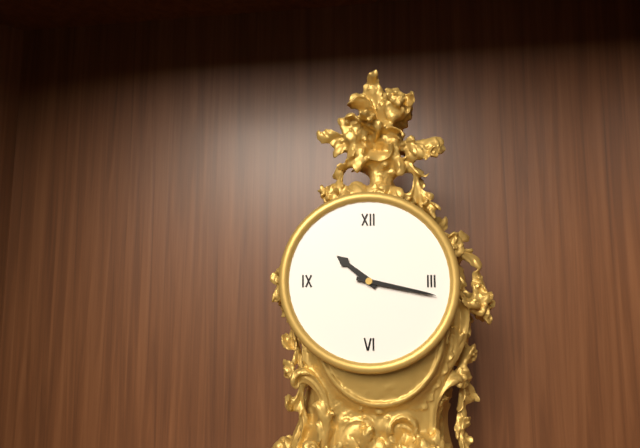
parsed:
10:17
